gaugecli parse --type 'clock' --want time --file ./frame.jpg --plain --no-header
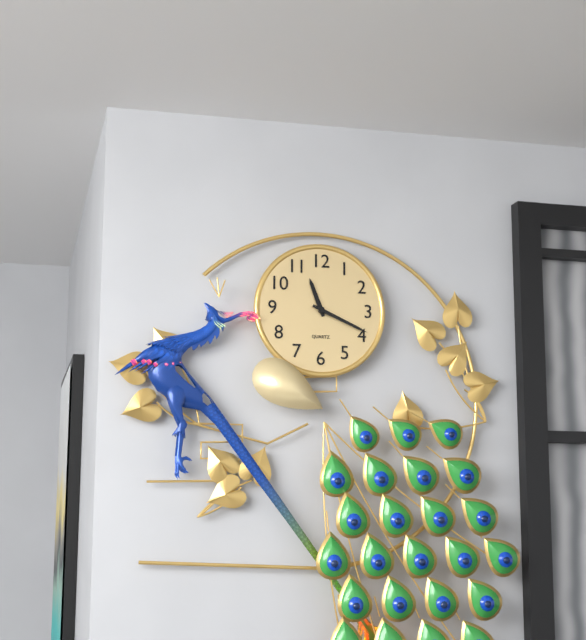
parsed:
11:19
